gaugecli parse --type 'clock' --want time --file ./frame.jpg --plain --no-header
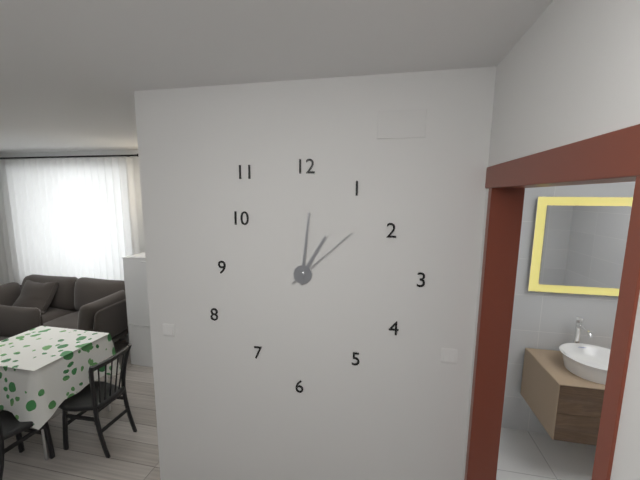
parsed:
1:01:08
